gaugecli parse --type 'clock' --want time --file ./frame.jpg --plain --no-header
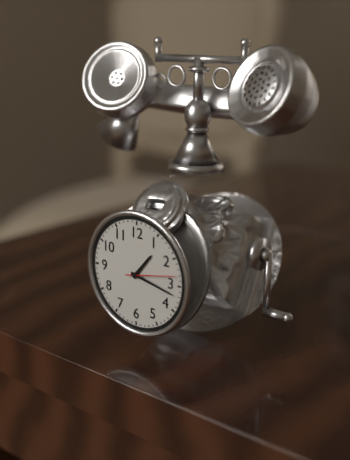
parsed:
1:17:13
